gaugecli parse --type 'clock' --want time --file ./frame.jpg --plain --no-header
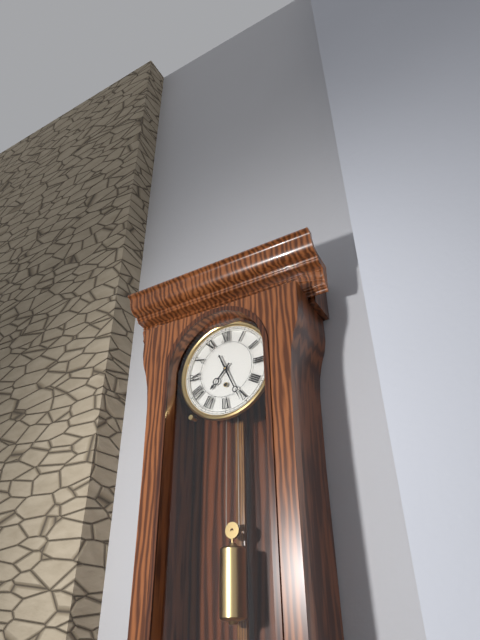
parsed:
7:26
